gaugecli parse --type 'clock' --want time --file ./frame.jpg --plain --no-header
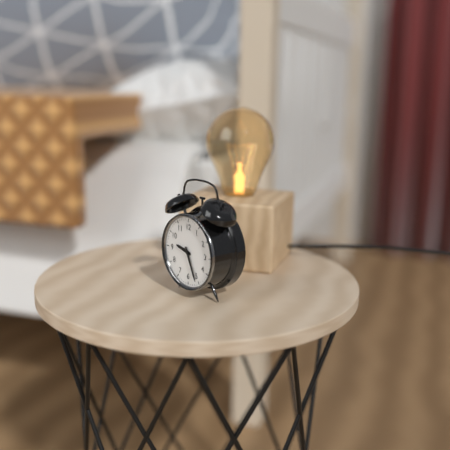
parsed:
9:26
